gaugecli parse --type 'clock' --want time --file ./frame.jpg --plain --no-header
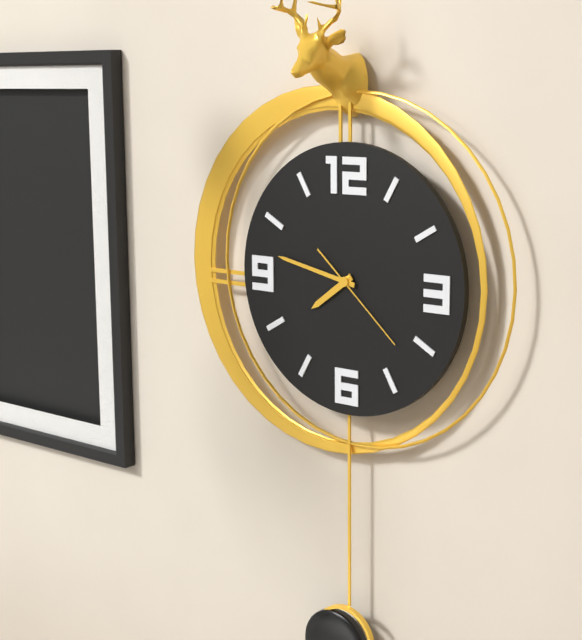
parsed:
7:47:22
